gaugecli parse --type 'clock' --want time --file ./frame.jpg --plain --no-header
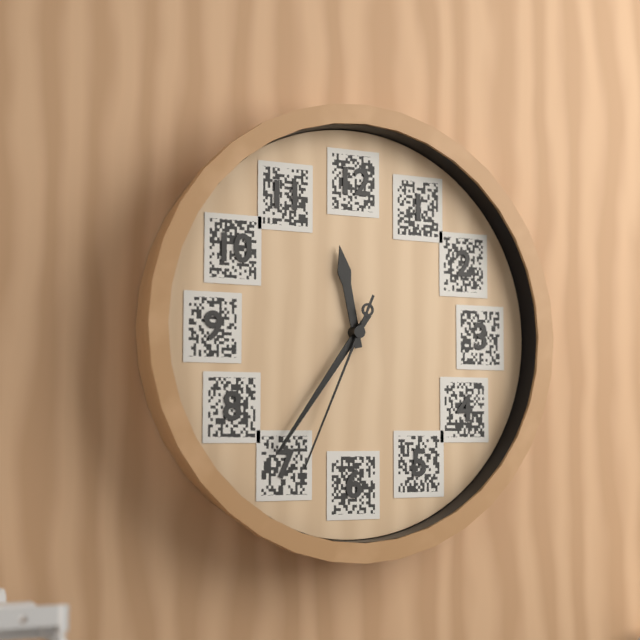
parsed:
11:36:34
